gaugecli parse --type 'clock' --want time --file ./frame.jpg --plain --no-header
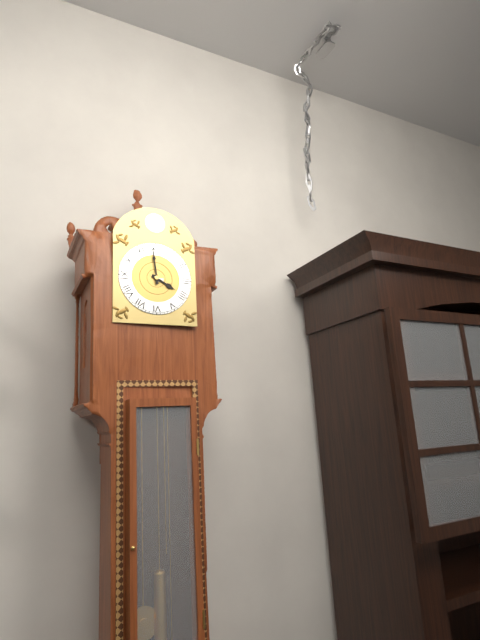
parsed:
3:59
